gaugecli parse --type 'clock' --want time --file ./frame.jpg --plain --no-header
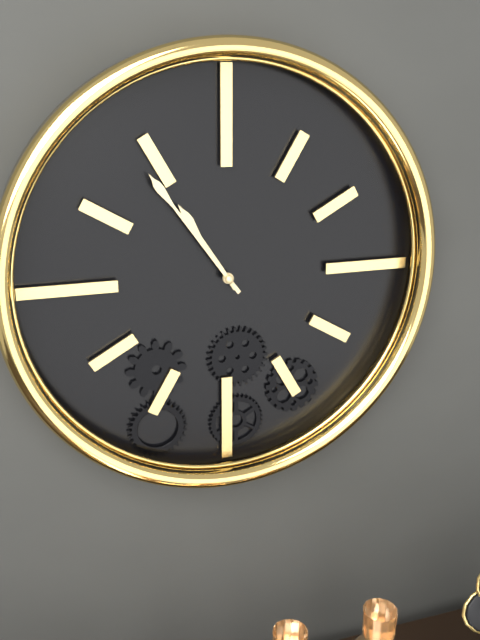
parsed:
10:54
